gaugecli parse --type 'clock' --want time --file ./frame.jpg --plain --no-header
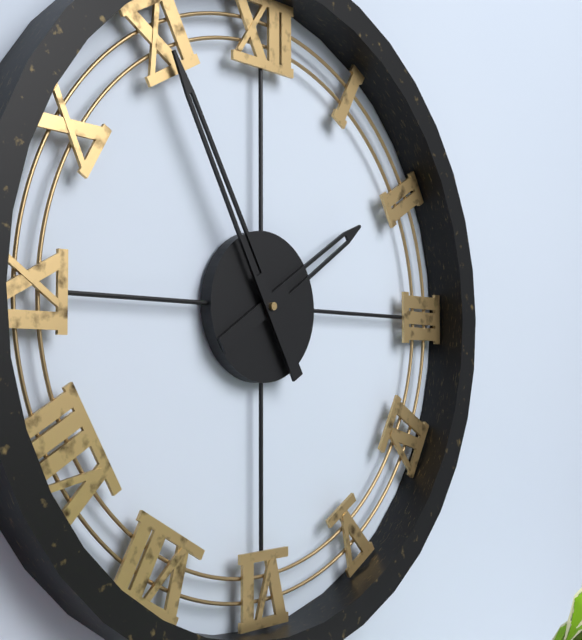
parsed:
1:55
